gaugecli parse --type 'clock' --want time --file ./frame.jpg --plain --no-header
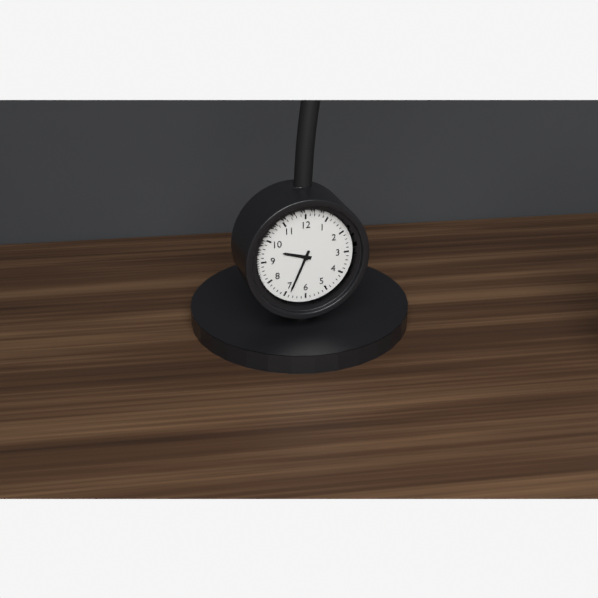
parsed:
9:34
